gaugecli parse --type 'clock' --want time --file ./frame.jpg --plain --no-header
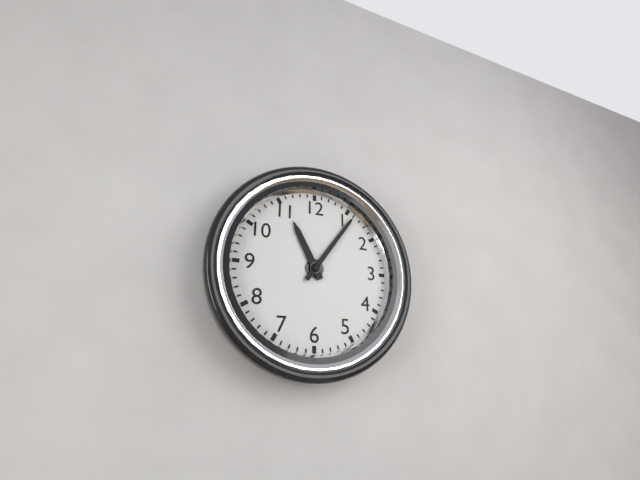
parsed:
11:06
